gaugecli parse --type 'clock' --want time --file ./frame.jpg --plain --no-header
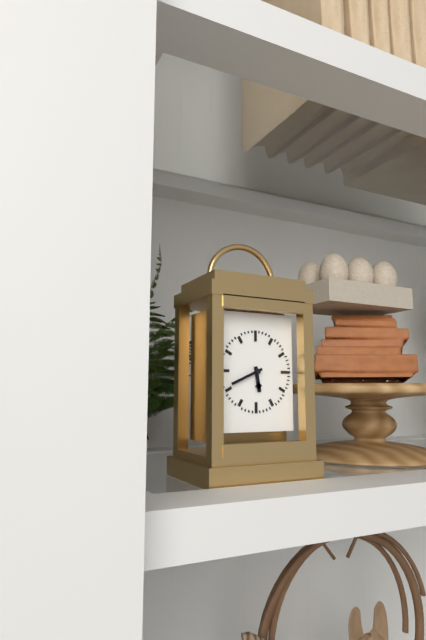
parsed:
5:41
